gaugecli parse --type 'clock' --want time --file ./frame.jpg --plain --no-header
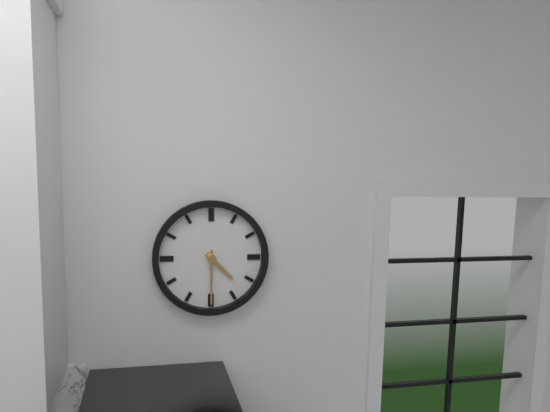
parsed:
4:30
